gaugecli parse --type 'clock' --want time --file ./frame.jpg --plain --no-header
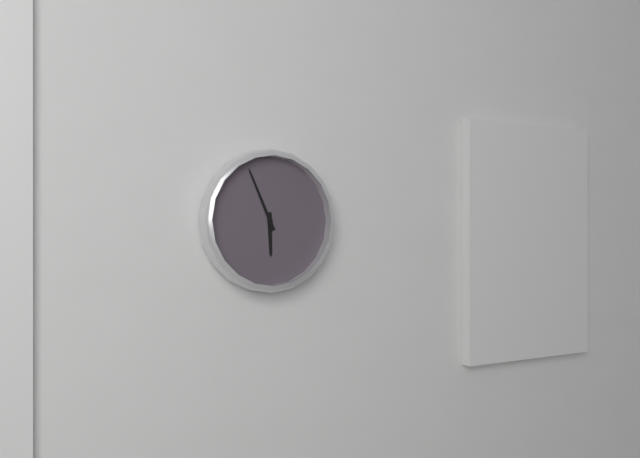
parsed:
5:56
